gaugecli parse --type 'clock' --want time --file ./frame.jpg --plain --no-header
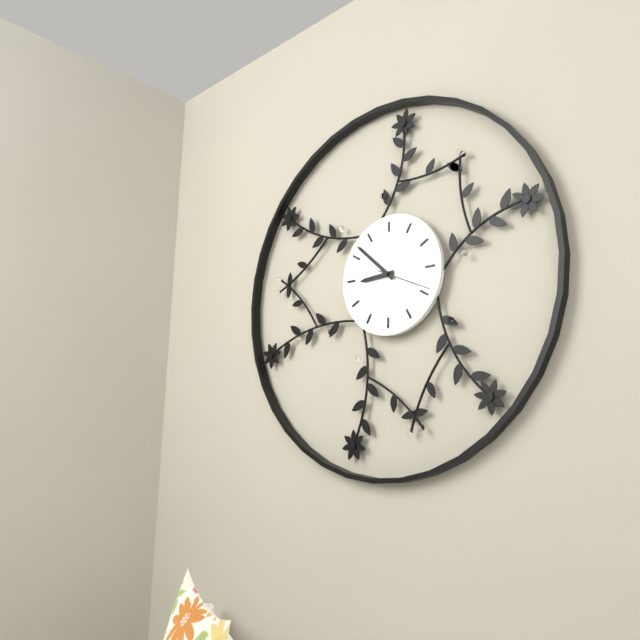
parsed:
8:52:19
